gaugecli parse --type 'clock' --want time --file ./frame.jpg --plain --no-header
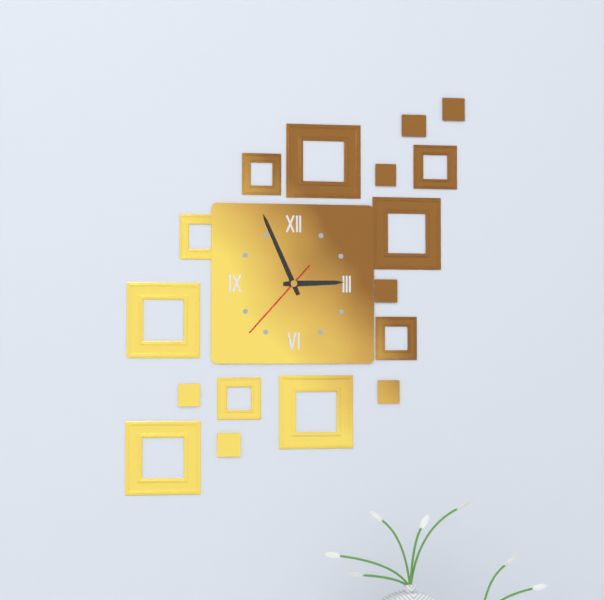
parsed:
2:56:37
